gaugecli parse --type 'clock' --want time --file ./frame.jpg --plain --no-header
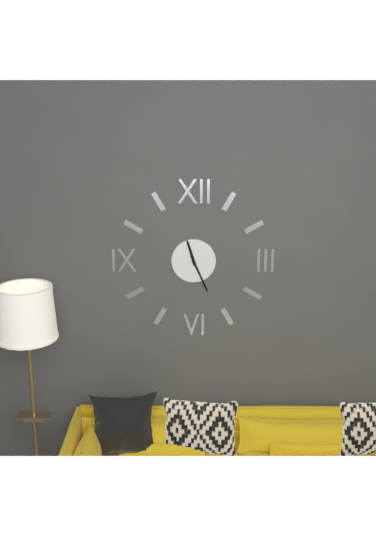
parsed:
11:26
